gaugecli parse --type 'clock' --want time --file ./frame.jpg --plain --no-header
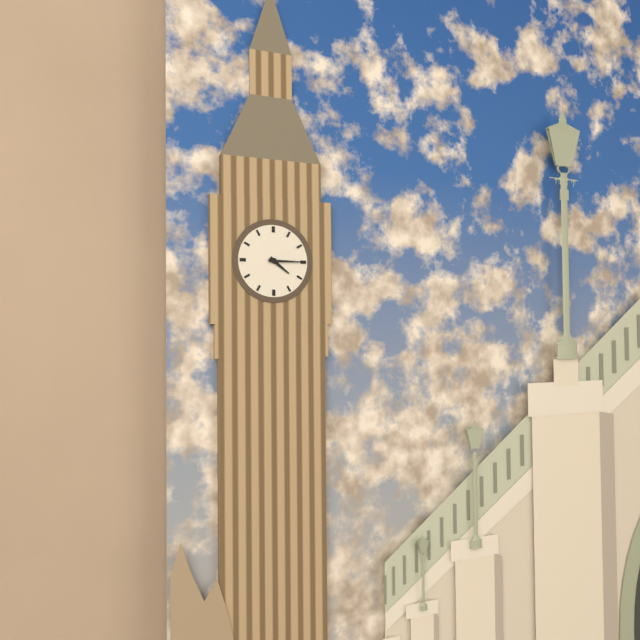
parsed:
4:15
